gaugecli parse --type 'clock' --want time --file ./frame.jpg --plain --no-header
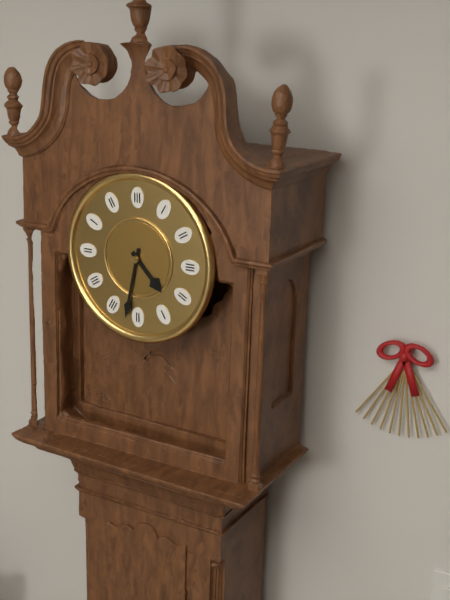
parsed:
4:32
